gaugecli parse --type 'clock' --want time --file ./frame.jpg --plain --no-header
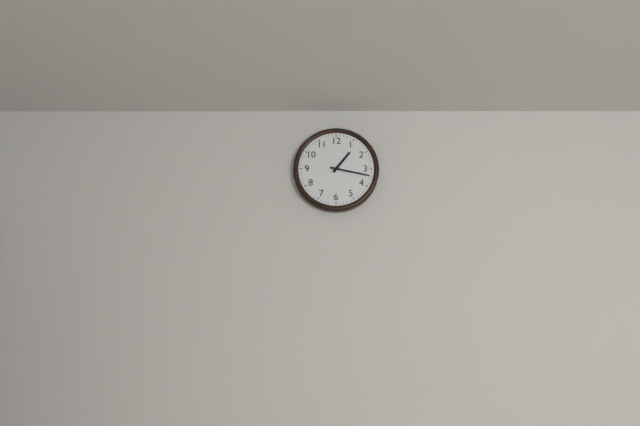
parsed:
1:17
